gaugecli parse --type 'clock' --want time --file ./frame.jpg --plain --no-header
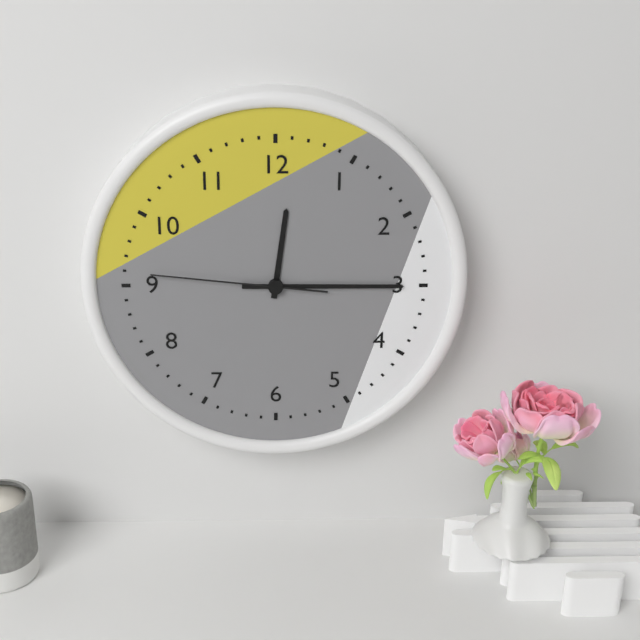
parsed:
12:15:46
